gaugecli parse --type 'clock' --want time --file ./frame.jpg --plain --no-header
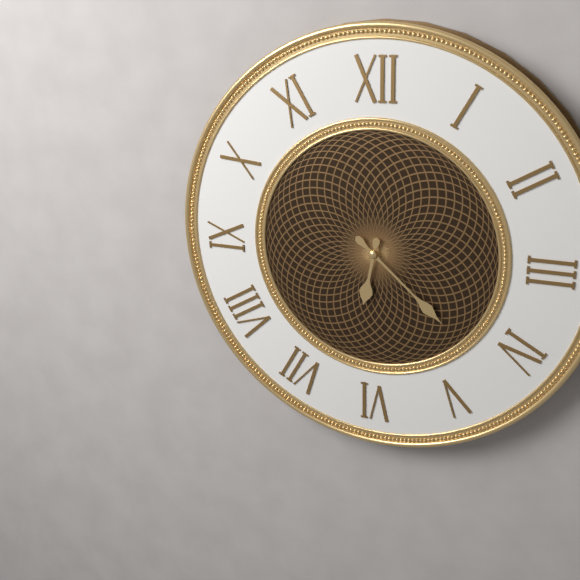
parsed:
6:22
